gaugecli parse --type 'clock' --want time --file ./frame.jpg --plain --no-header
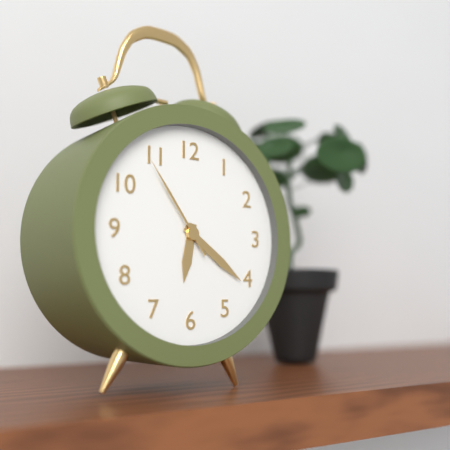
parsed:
6:21:54
